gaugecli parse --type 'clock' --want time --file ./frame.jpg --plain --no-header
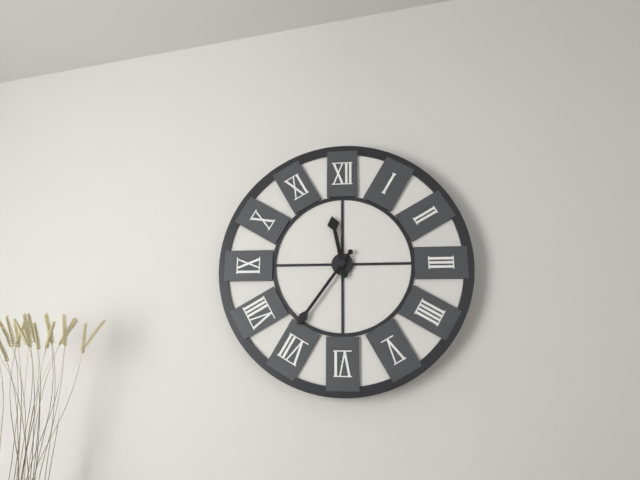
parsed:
11:36
